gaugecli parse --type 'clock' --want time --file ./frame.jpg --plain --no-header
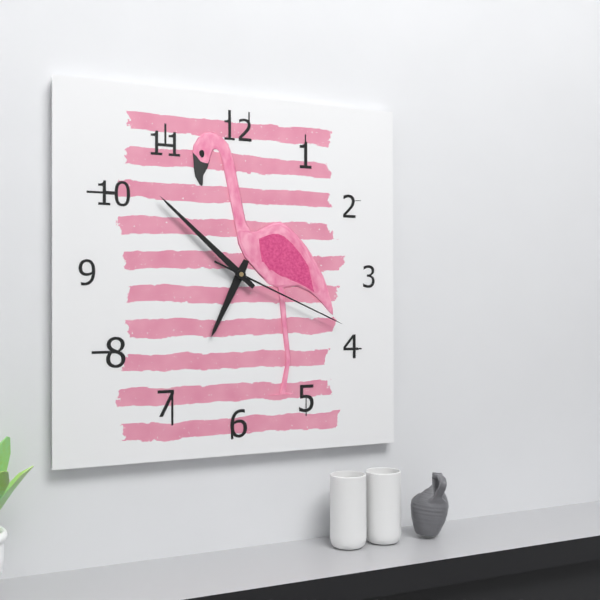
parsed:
6:52:19
